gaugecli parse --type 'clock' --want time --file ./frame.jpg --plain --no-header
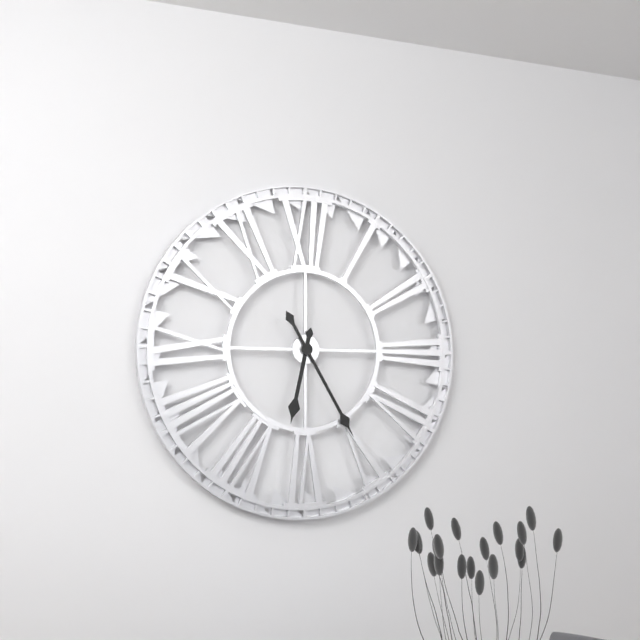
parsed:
6:25
